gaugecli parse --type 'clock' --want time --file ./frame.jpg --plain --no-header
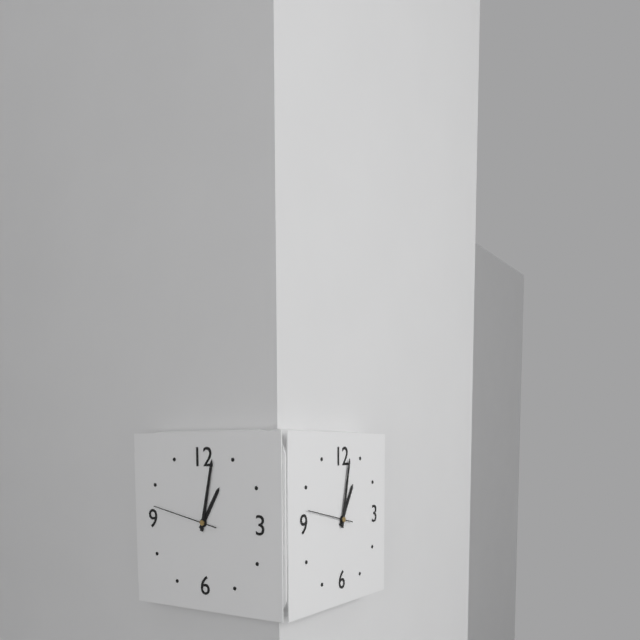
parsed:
1:02
